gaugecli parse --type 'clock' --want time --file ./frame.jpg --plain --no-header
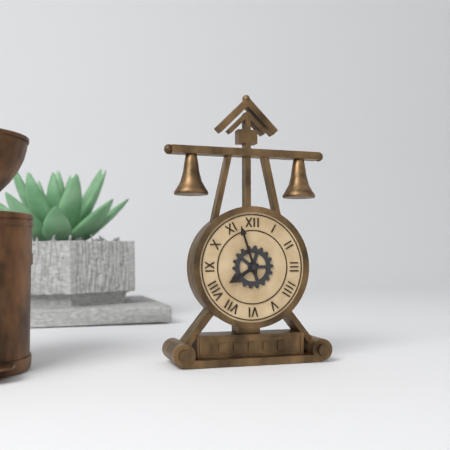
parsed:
7:57
